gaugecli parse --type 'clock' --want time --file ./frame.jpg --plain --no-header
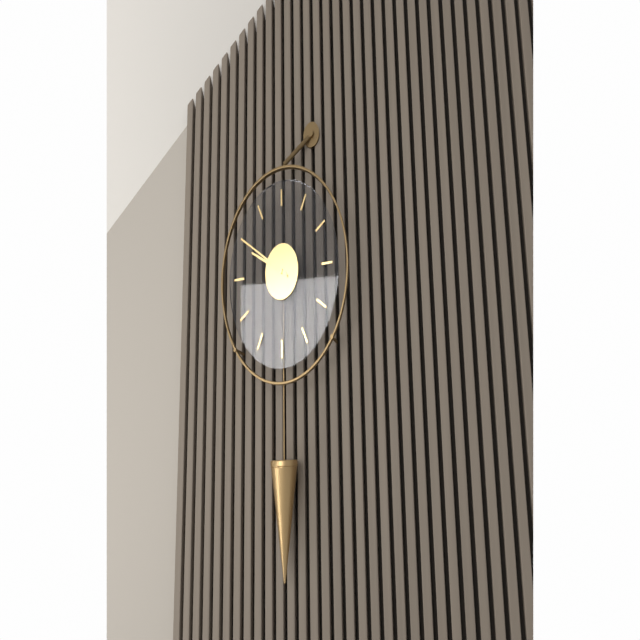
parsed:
9:50
